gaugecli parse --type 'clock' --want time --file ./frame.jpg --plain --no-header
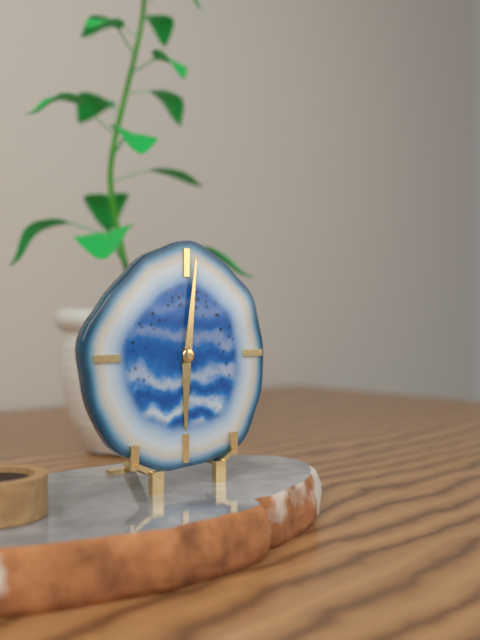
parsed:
6:01
